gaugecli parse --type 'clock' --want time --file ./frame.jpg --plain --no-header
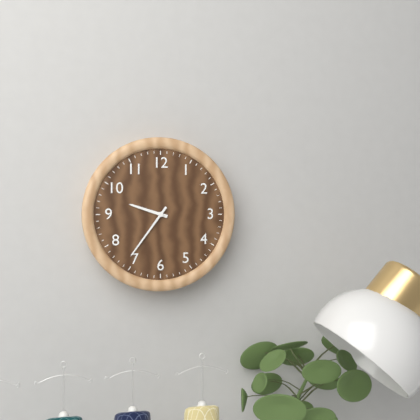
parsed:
9:36
